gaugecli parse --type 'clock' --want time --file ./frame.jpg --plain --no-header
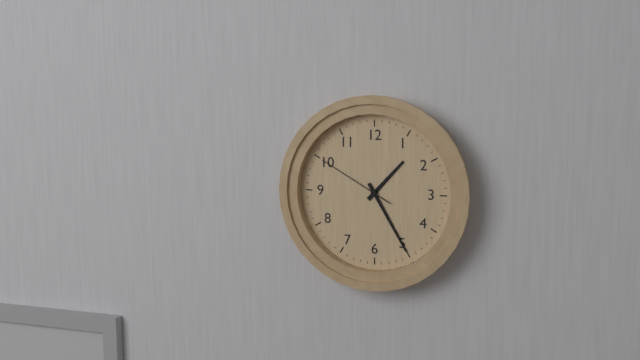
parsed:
1:25:50
